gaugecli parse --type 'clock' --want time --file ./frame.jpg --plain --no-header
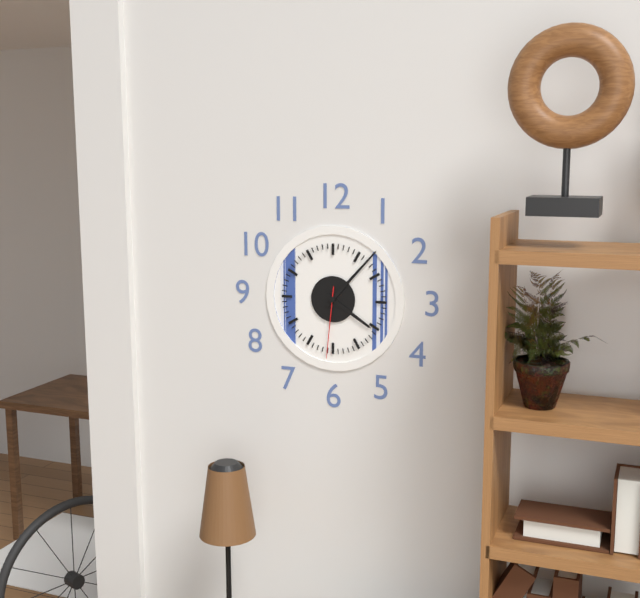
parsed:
4:07:31
